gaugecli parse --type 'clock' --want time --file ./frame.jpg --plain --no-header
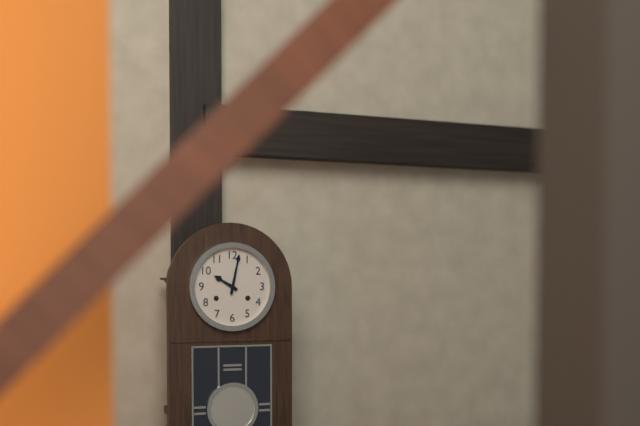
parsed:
10:02
